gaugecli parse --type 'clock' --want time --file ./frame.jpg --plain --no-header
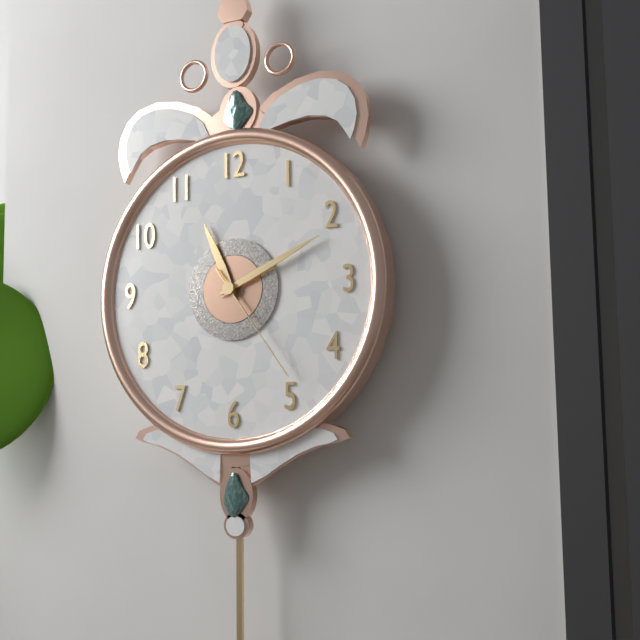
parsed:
11:11:24
